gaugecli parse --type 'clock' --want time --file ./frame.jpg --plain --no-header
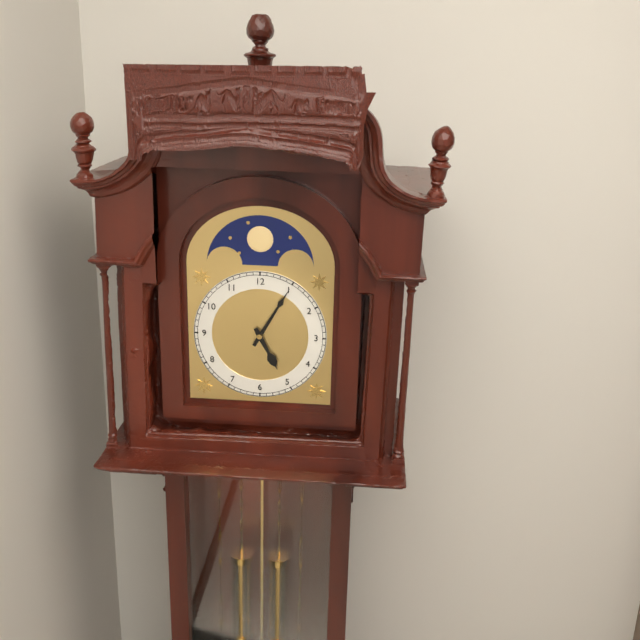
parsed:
5:05
